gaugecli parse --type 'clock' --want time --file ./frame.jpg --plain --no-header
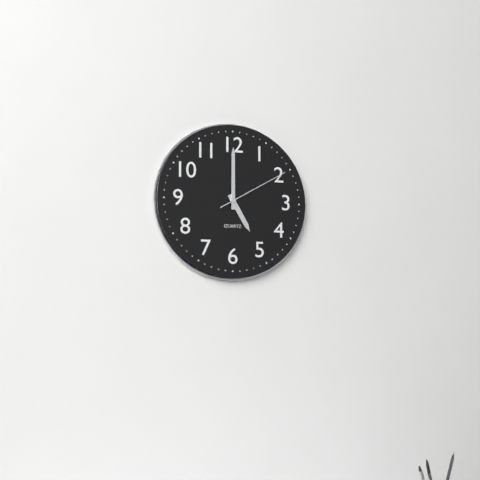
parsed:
5:00:10
